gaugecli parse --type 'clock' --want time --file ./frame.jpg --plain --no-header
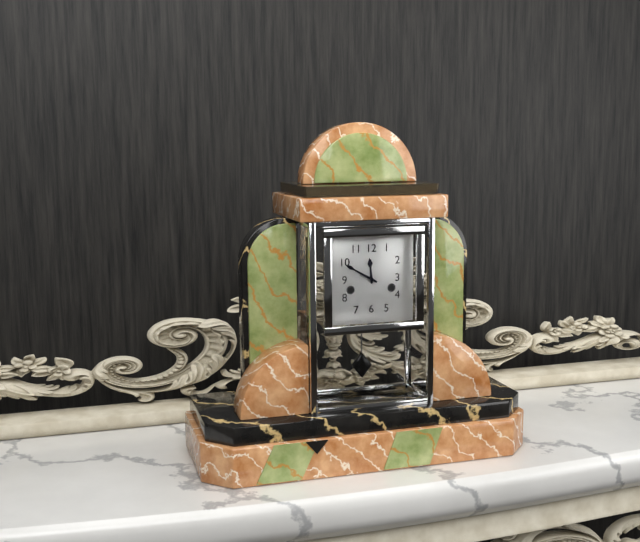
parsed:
11:50
